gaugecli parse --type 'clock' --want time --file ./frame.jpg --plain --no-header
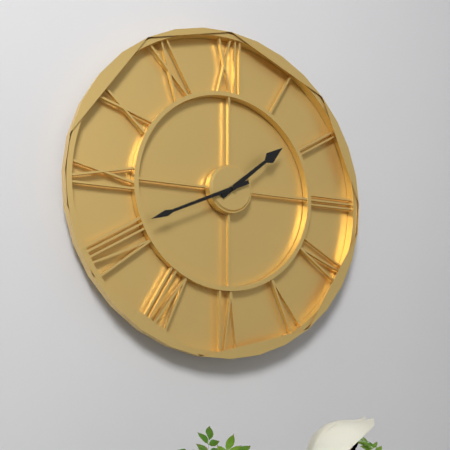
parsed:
1:41
